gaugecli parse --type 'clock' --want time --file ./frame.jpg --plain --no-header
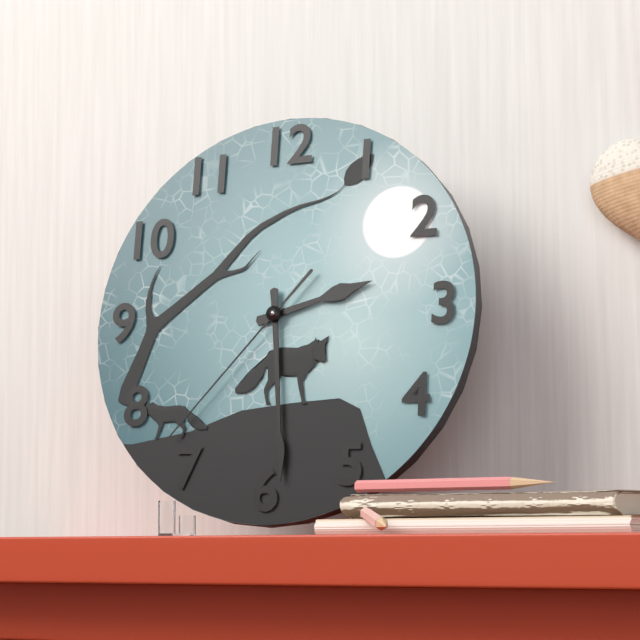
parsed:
2:29:37
